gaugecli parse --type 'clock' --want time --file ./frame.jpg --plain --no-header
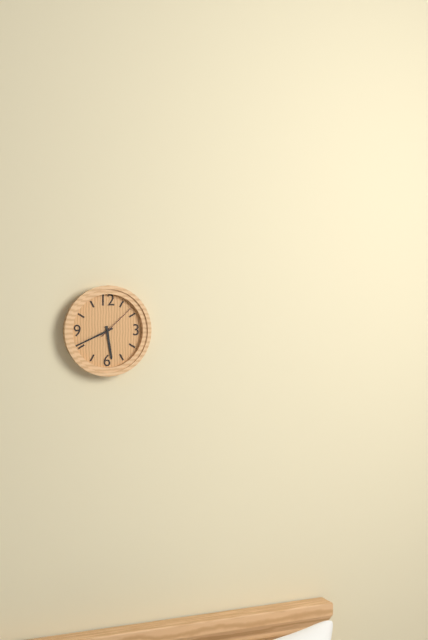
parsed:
5:41
